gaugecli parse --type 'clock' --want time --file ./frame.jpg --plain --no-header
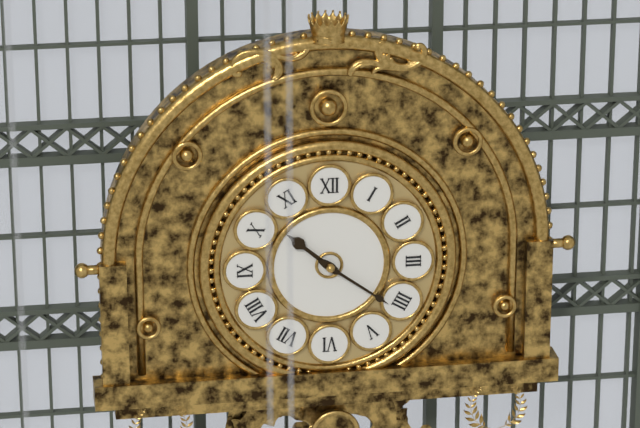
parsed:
10:21
